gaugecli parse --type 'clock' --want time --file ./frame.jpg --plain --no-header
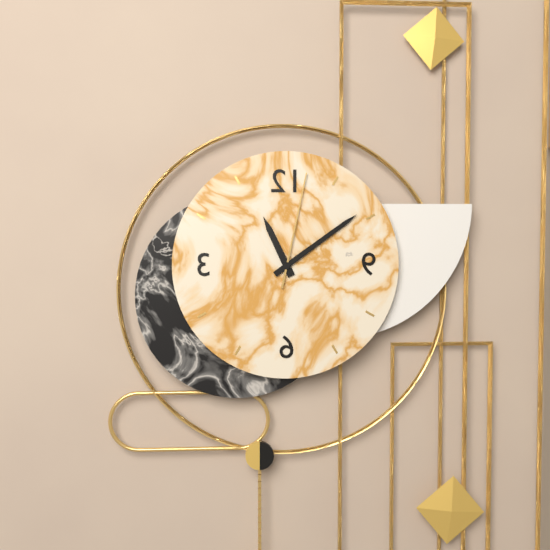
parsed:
11:09:02
